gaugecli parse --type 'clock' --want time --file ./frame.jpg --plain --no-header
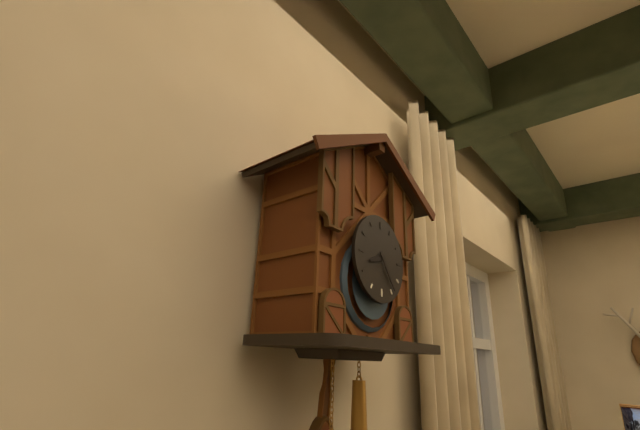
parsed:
8:24
